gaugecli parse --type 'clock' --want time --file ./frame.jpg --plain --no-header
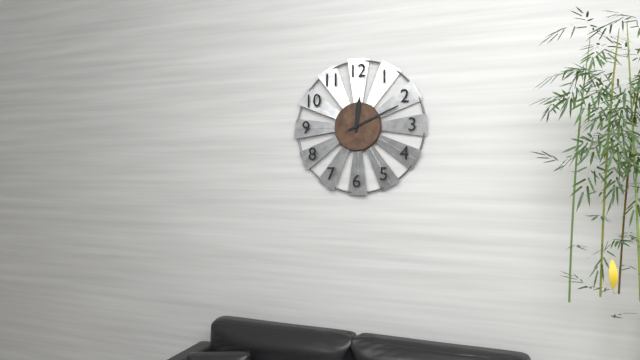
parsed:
12:11
